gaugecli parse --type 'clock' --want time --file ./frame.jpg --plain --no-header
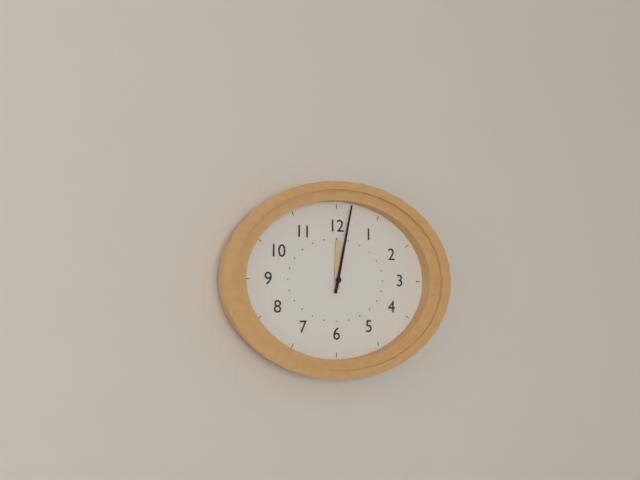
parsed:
12:02
